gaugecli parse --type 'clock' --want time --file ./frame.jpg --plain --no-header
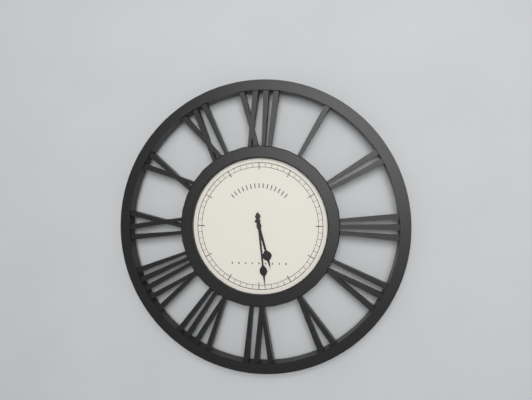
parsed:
5:29
